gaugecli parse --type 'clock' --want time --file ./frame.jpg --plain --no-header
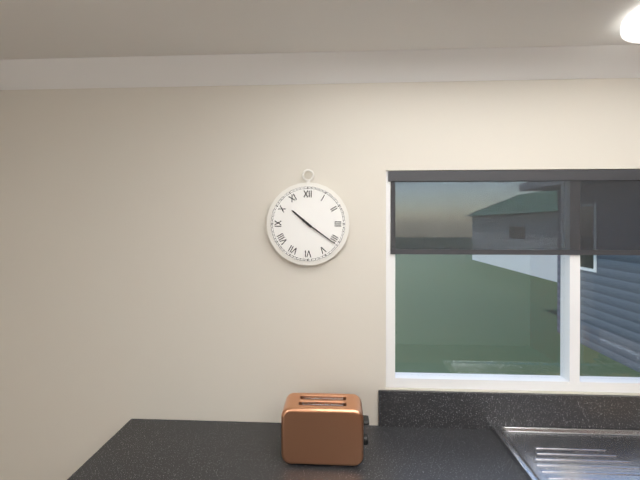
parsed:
10:21
